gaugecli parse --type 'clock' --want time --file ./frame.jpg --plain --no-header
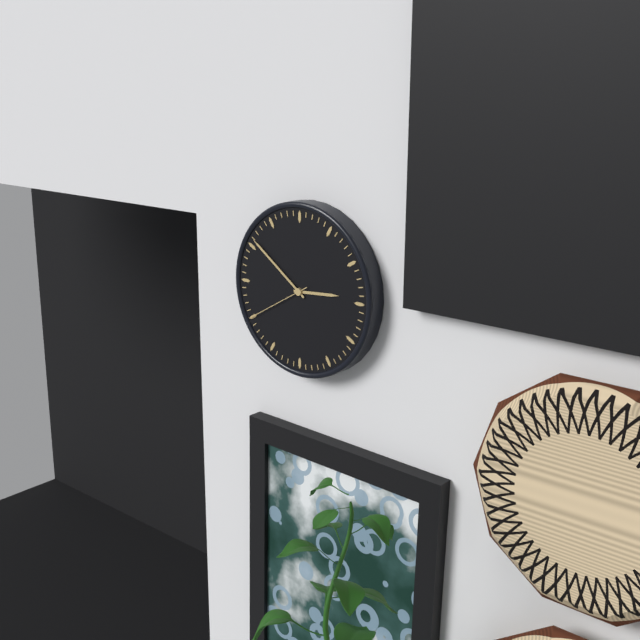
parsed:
2:51:40
